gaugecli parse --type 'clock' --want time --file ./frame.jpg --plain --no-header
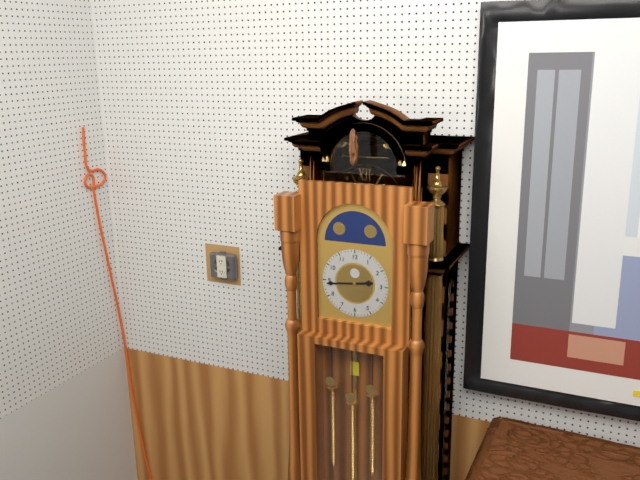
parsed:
2:44
